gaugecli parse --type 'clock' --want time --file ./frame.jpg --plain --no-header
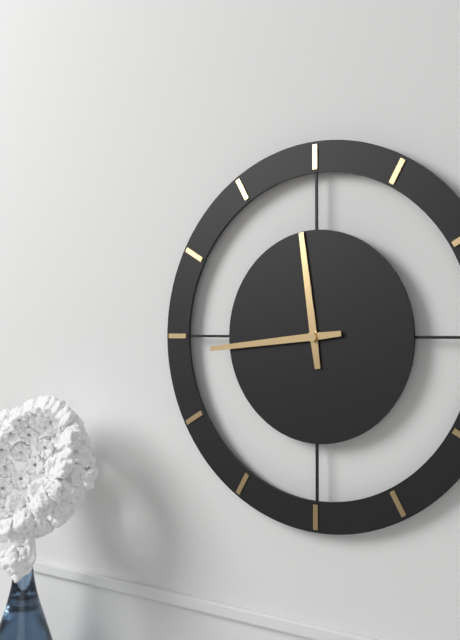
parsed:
11:44
